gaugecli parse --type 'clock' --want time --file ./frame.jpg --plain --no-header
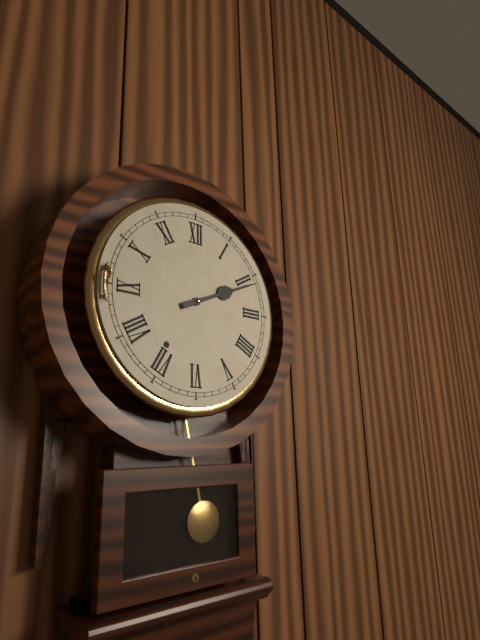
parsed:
2:11
